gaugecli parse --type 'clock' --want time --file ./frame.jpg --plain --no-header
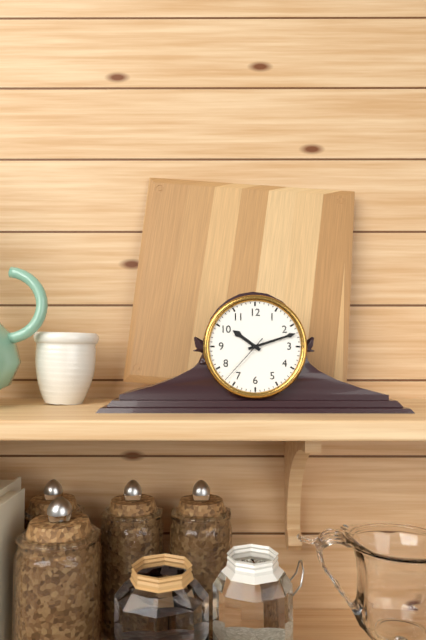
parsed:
10:12:37
